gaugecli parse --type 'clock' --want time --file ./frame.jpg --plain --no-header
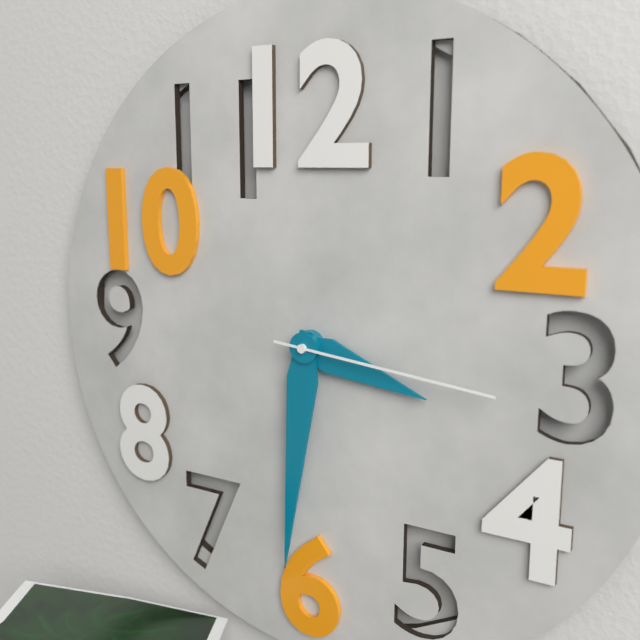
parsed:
3:31:16
